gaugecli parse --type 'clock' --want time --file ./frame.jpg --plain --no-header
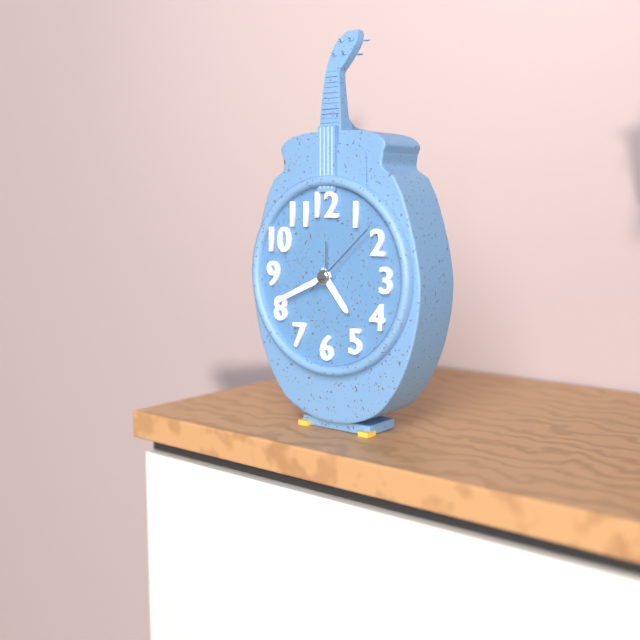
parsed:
4:41:08
